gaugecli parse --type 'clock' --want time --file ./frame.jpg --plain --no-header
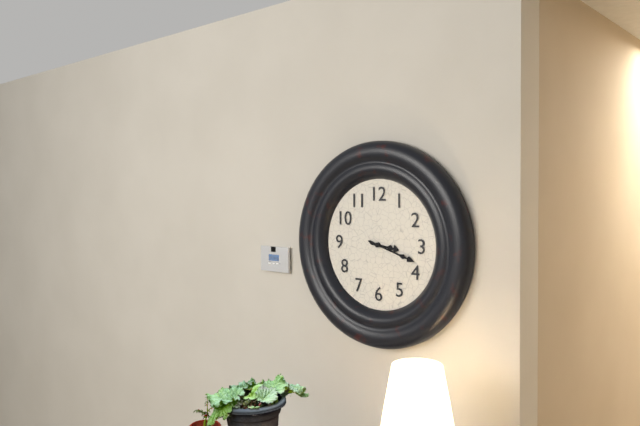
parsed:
3:18
